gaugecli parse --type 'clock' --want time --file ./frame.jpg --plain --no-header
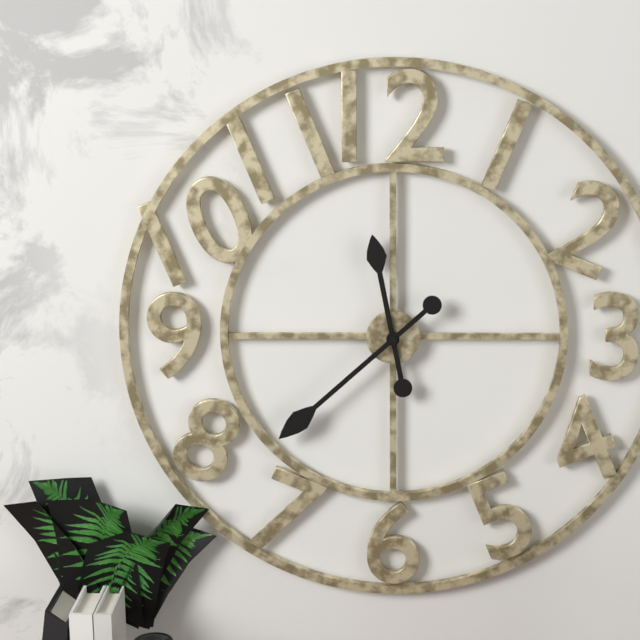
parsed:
11:38
